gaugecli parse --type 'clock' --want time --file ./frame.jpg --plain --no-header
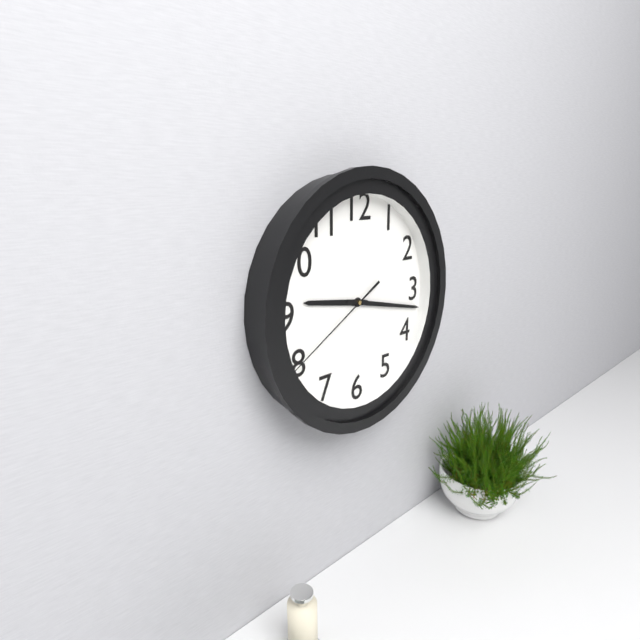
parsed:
9:17:40
